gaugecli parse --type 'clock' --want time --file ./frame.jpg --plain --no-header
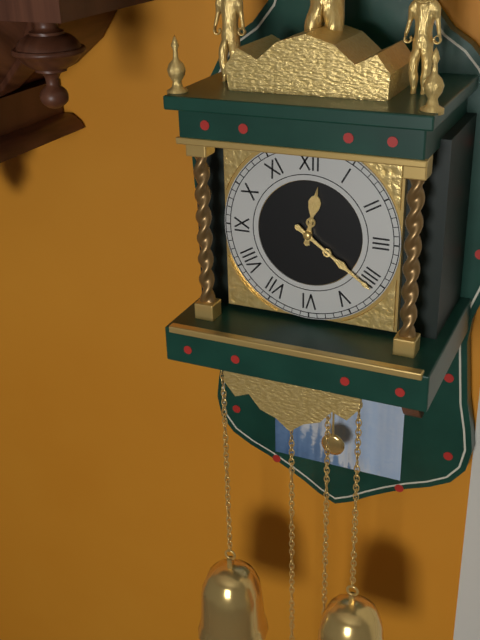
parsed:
12:21
